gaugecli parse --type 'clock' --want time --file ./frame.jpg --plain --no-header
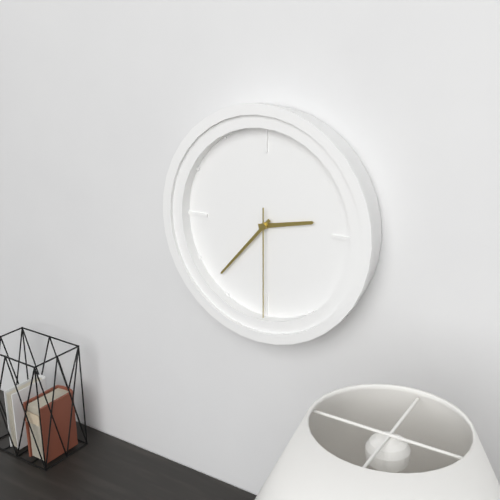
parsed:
2:37:30
